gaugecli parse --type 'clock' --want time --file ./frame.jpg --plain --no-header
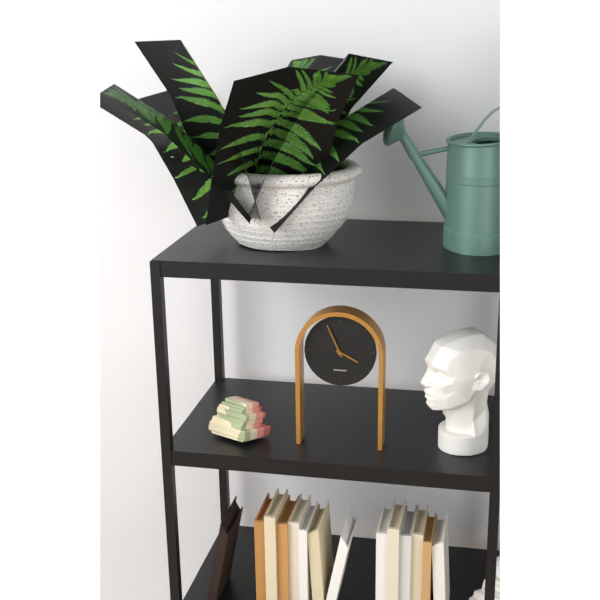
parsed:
3:56
